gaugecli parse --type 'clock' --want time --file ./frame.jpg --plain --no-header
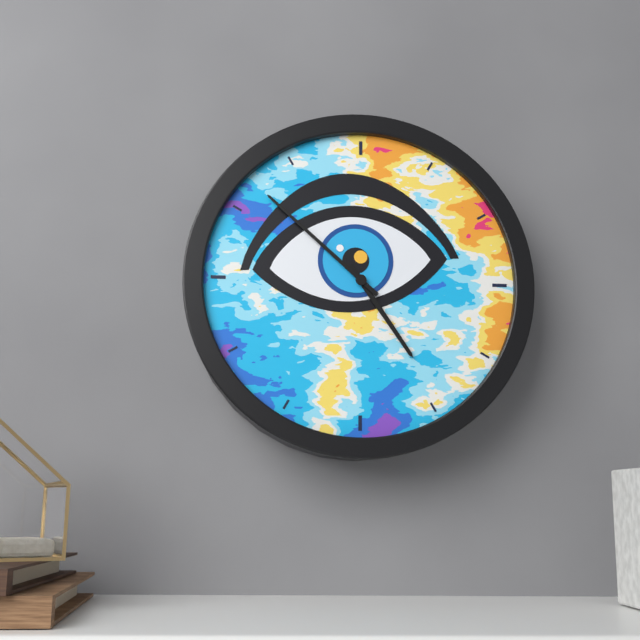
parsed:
4:52
